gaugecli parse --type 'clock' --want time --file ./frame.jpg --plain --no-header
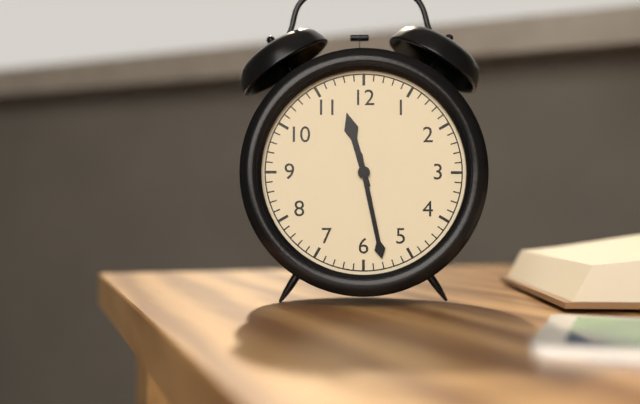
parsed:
11:28
